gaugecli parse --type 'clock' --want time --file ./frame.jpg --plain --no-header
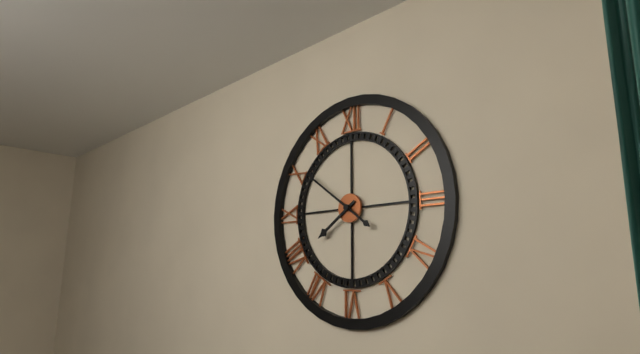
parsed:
7:51
